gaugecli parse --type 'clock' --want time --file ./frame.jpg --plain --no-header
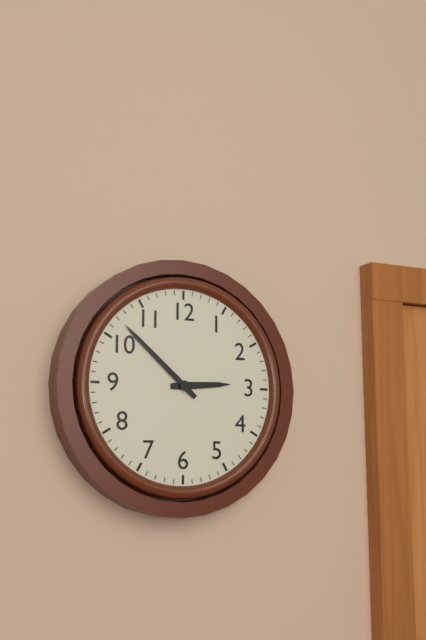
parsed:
2:52
